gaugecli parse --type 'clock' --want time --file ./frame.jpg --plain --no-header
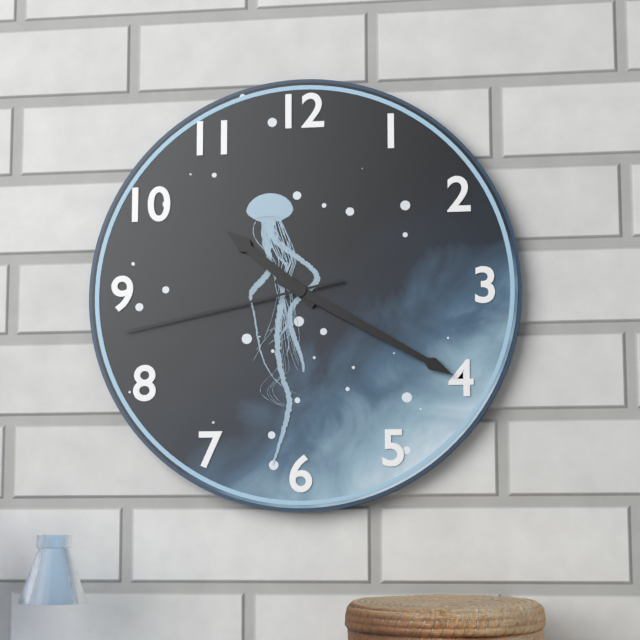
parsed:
10:20:43
